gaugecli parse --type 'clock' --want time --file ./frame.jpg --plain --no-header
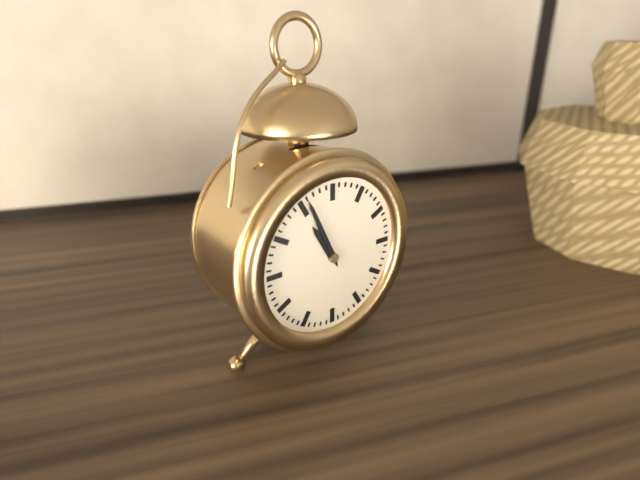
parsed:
10:56
